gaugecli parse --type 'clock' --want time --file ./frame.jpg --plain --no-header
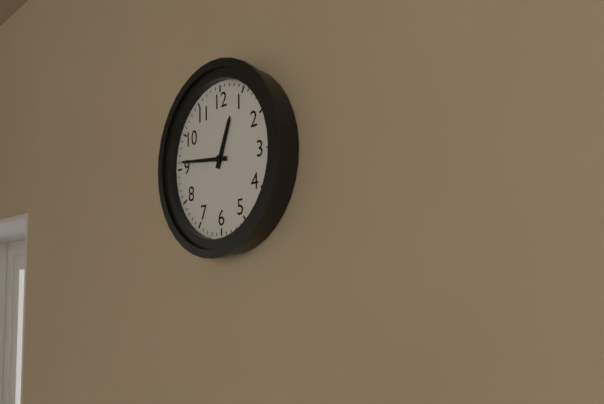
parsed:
12:46
